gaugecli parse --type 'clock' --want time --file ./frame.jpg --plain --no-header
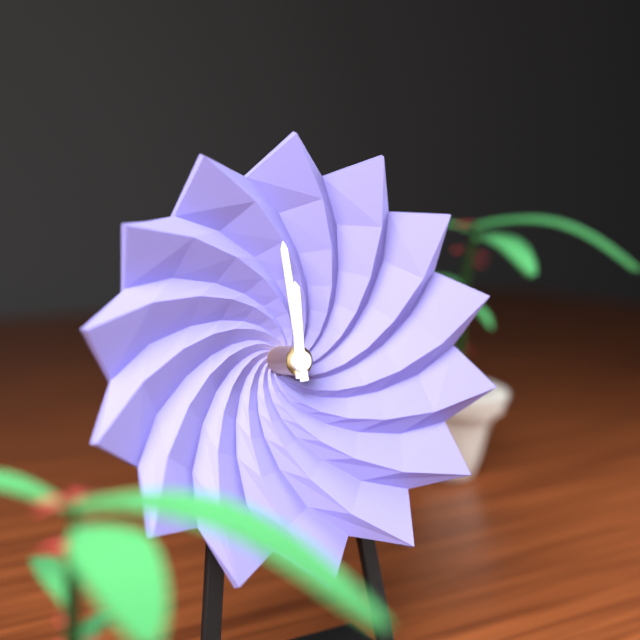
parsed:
11:59
